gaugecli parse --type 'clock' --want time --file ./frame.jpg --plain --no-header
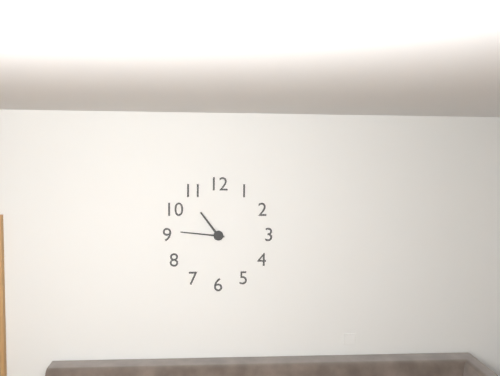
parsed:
10:46
